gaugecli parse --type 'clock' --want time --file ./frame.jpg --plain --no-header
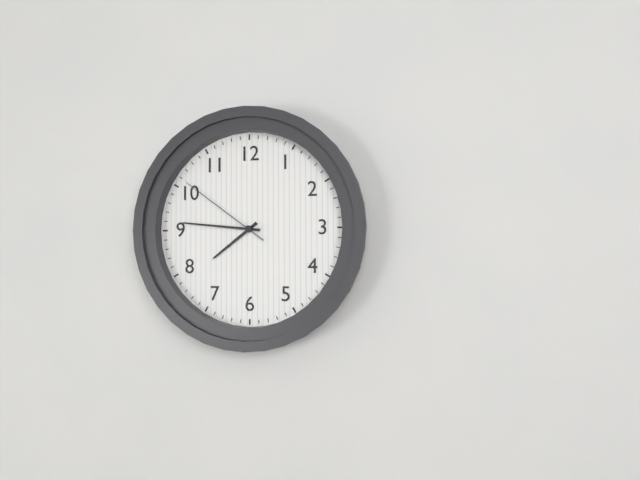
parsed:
7:46:51
